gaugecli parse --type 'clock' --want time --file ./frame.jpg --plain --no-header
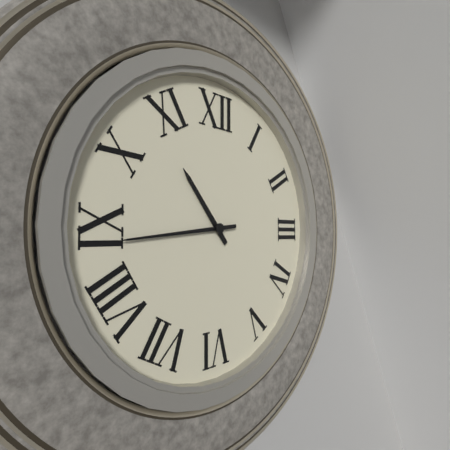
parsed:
10:44
